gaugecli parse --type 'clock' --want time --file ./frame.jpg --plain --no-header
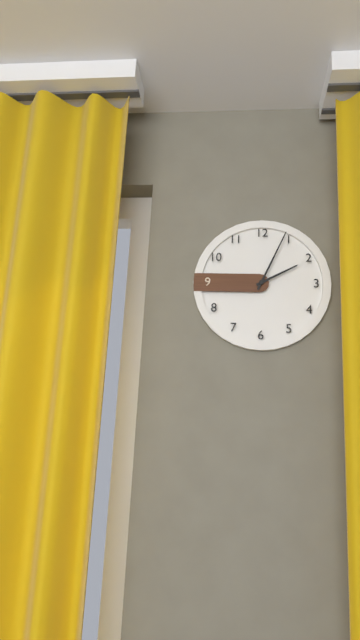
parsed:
2:04
